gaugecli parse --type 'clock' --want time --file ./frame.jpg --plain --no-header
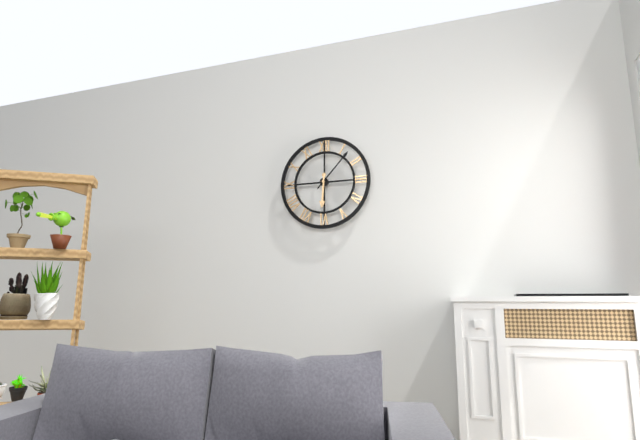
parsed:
6:07
